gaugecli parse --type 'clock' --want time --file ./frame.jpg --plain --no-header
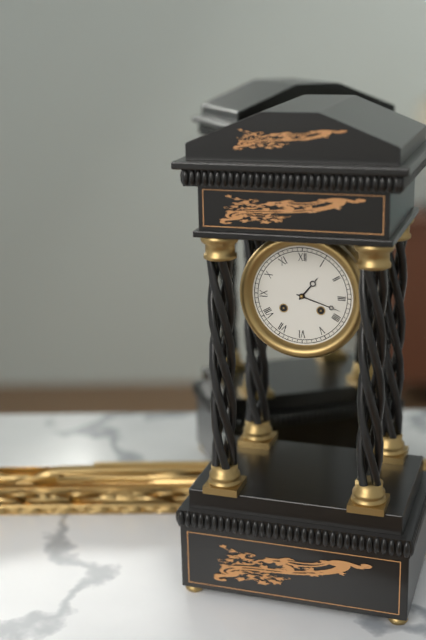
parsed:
1:18
